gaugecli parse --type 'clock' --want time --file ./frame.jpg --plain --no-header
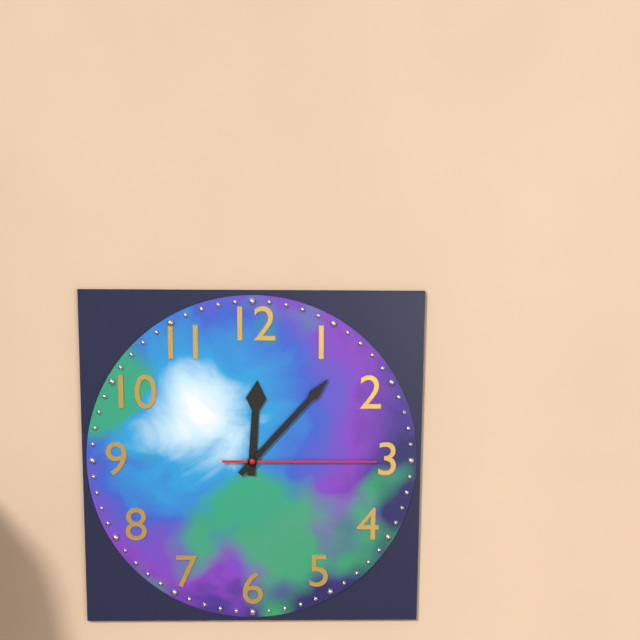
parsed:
12:07:15
